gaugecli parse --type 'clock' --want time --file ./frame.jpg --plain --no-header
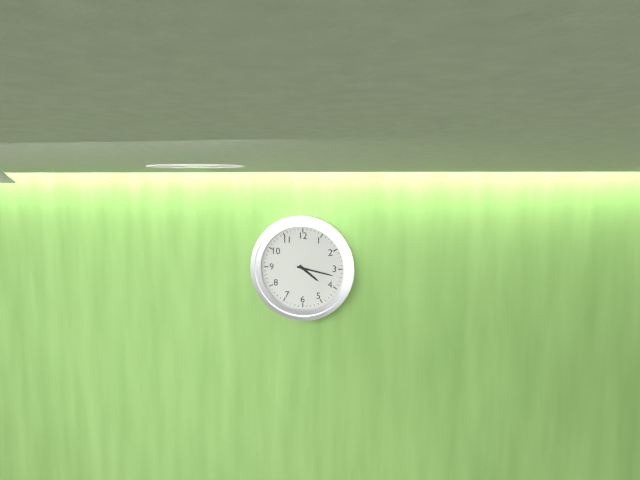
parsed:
4:17
